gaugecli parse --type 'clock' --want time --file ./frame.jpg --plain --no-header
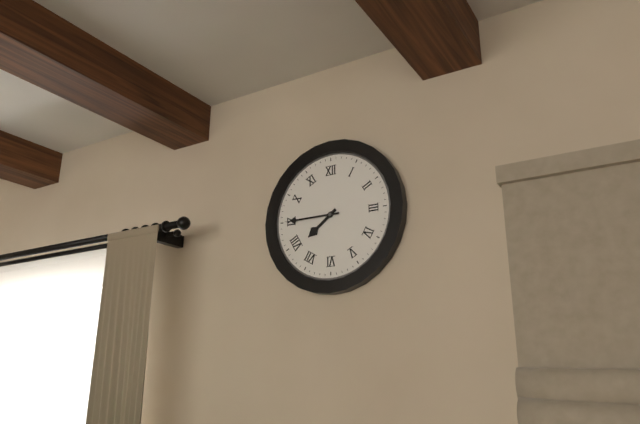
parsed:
7:45
